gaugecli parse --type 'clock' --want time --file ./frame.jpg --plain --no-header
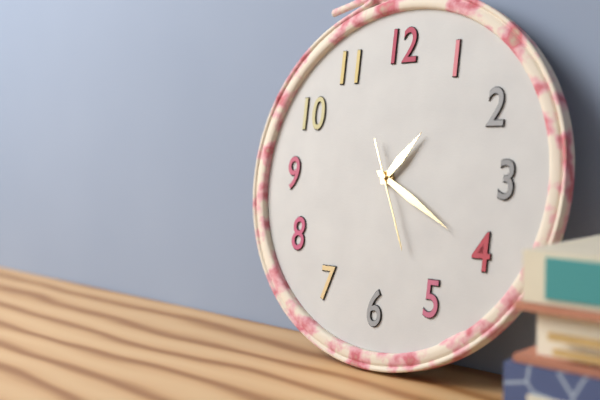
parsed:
1:20:26
